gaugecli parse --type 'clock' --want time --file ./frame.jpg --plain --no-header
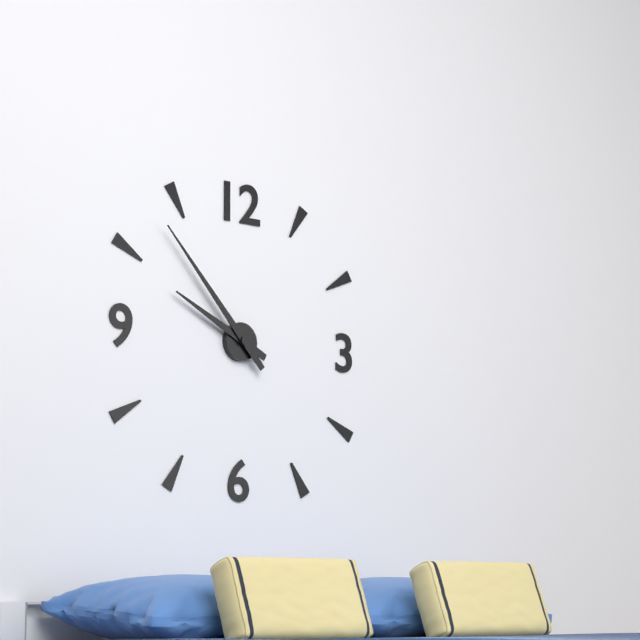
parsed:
9:53
